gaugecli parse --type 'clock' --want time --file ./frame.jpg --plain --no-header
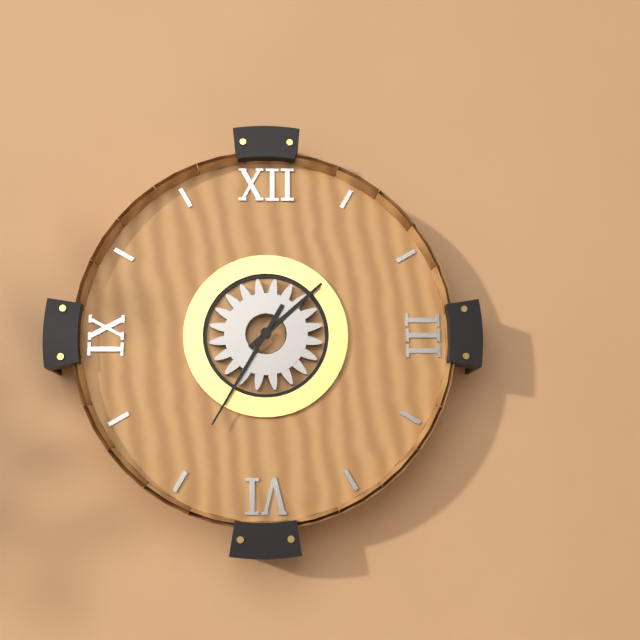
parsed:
1:35
